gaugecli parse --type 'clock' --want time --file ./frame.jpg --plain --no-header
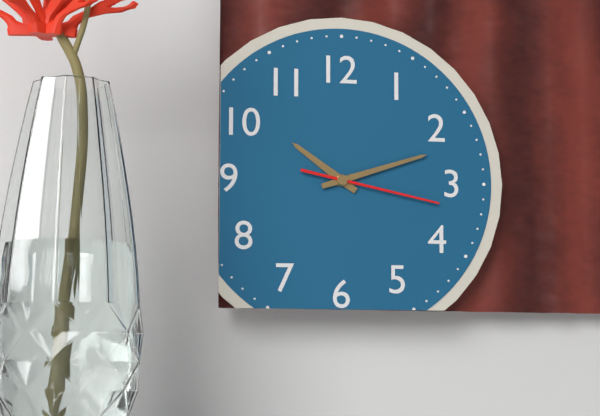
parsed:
10:12:17
